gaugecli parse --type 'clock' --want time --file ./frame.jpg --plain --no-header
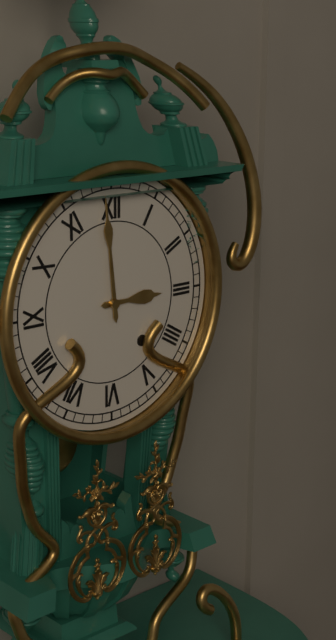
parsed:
2:59
